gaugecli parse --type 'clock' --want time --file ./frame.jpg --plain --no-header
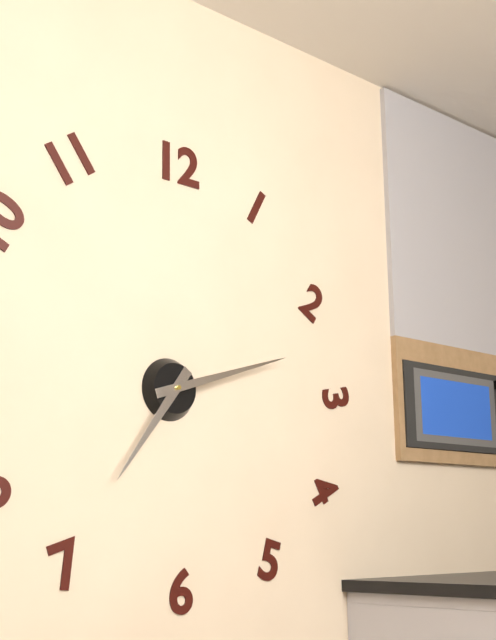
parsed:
7:12
